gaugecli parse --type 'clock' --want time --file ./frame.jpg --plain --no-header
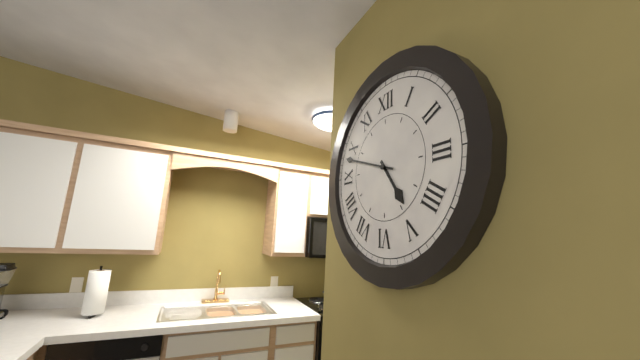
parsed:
4:48
